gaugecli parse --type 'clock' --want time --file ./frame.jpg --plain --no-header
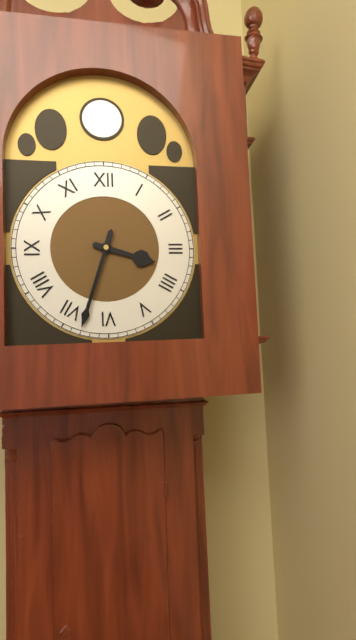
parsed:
3:33
